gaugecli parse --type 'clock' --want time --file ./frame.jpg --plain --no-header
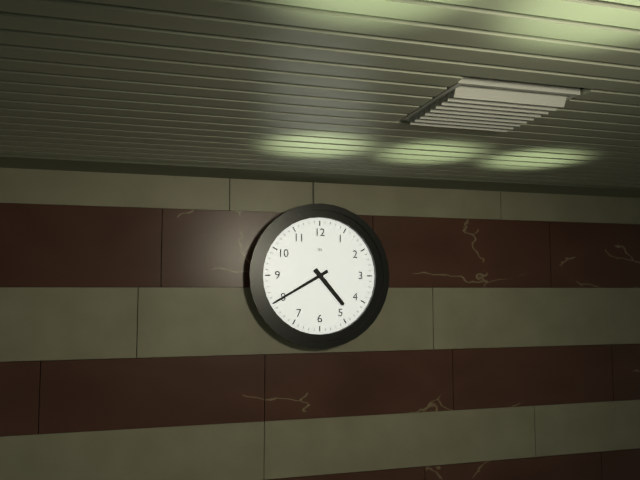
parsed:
4:40
